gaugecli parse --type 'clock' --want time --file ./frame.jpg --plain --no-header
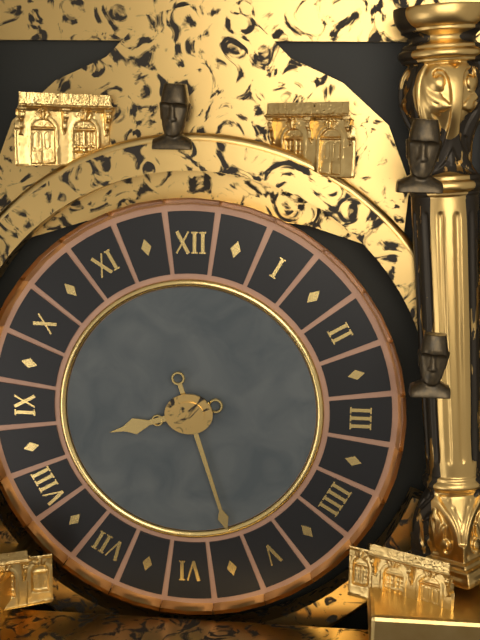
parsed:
8:27
